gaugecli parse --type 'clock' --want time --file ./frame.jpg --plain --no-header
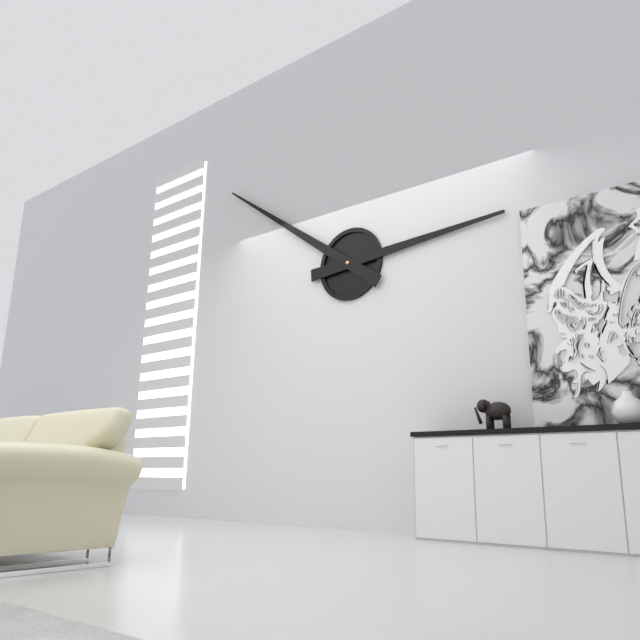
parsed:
2:51
